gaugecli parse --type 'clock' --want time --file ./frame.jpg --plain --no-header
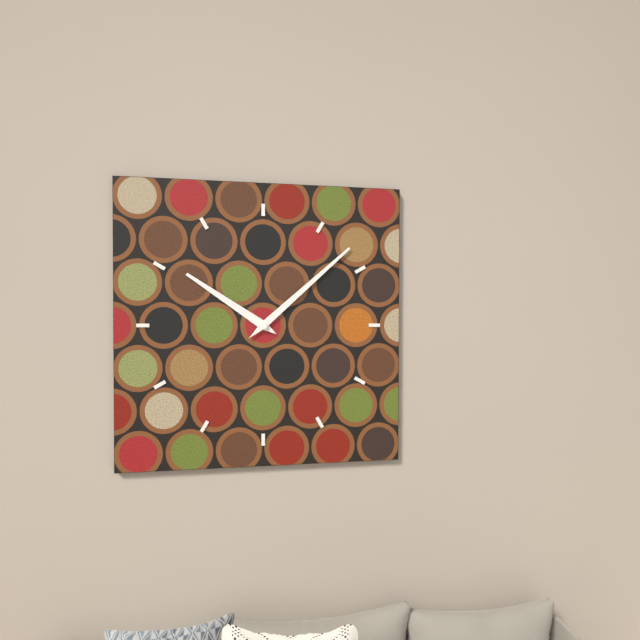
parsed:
10:08
